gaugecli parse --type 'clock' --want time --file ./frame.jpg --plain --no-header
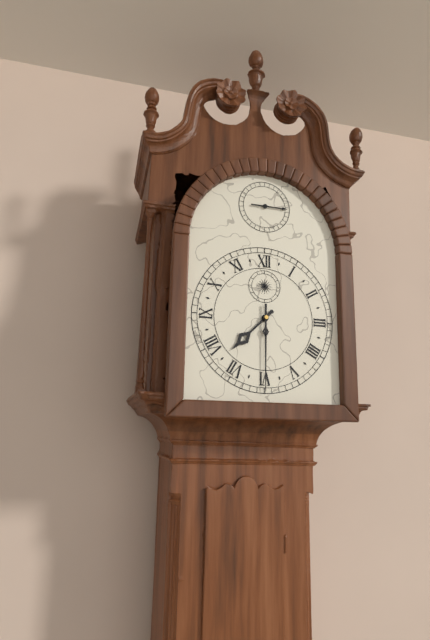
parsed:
7:30
